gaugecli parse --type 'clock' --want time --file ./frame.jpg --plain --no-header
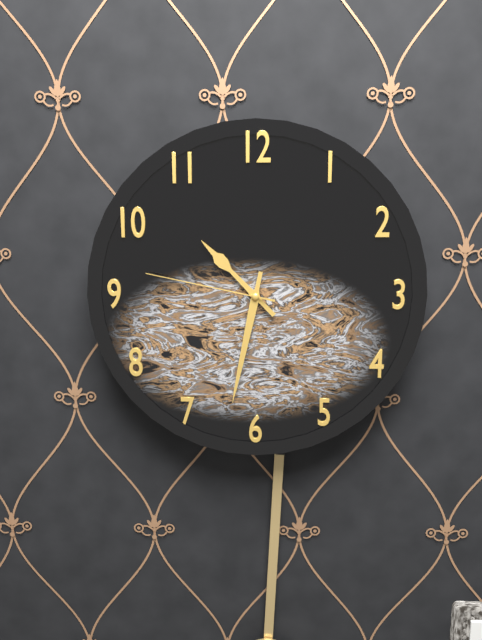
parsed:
10:32:47
